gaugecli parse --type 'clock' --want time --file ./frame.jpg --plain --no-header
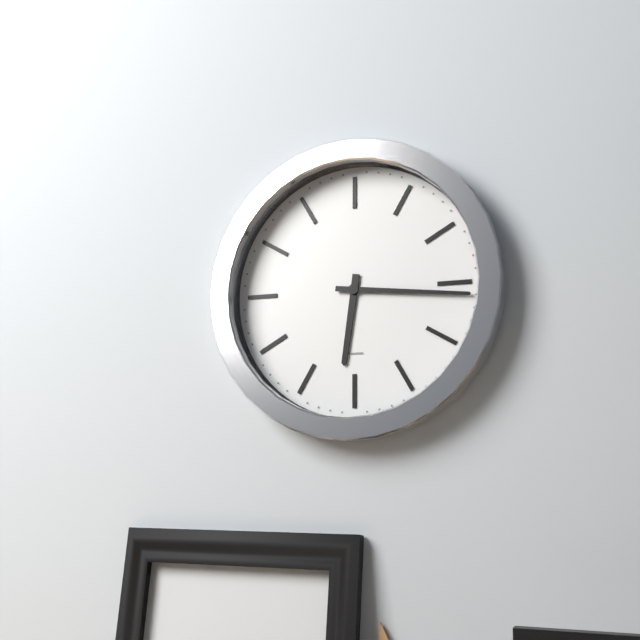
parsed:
6:16
